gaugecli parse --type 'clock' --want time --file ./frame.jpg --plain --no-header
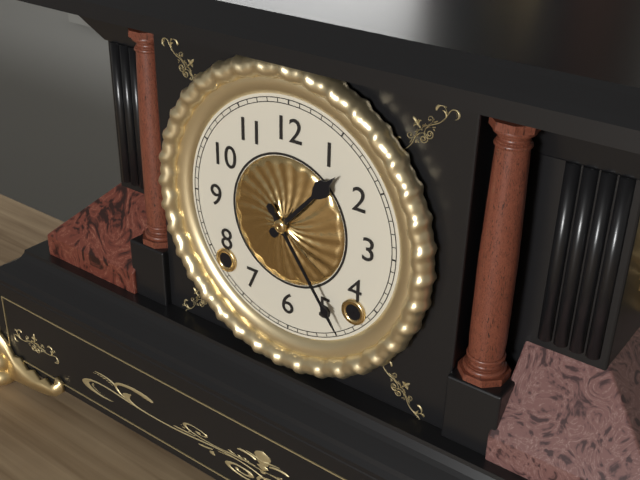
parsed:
1:24
